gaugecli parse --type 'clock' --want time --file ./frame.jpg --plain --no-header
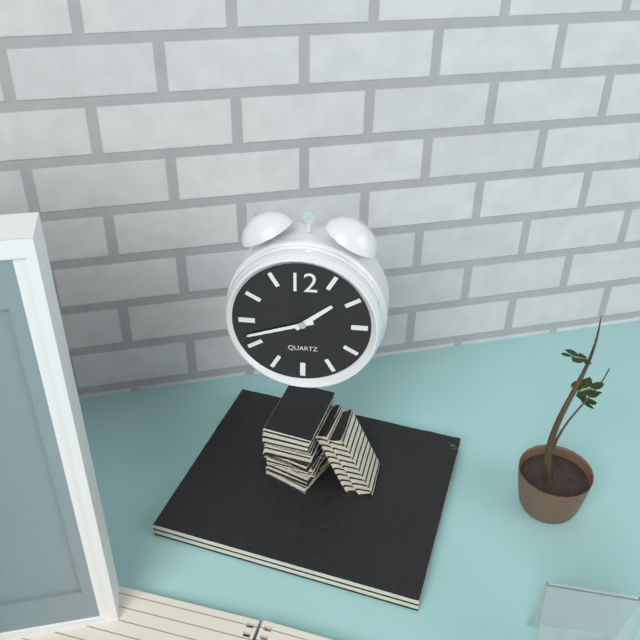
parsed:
1:42
